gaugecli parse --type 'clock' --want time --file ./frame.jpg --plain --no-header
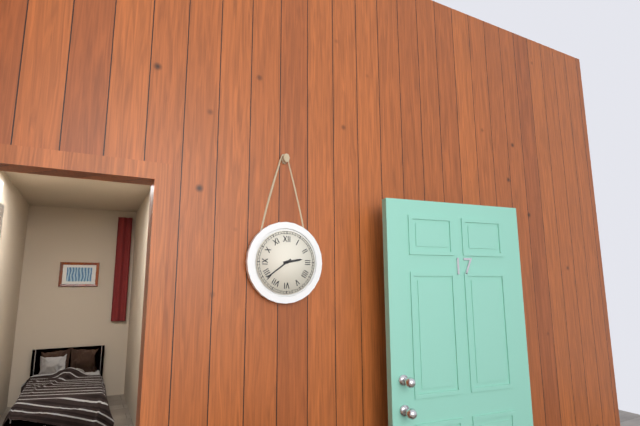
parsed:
2:39
